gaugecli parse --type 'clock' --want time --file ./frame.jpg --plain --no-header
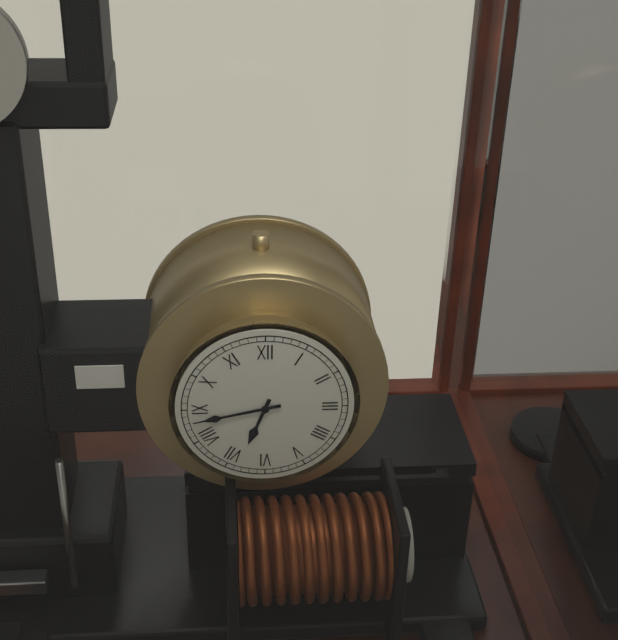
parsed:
6:43
